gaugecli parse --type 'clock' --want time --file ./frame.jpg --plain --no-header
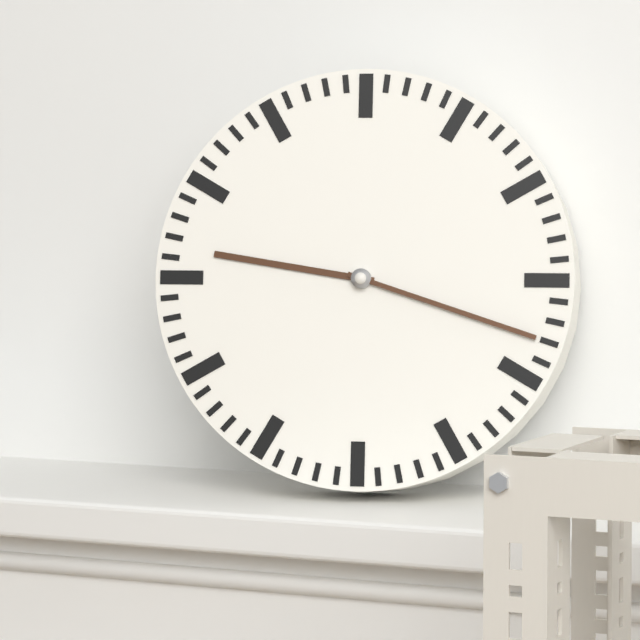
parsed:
9:18
